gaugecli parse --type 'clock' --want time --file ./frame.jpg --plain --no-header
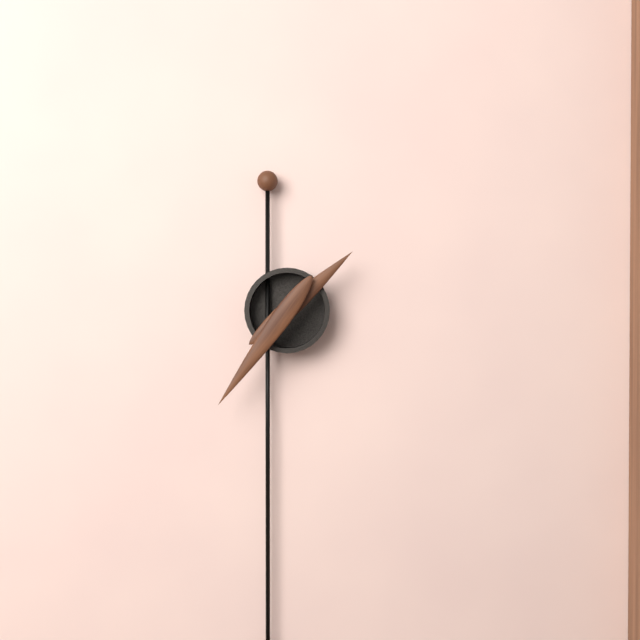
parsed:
1:36
